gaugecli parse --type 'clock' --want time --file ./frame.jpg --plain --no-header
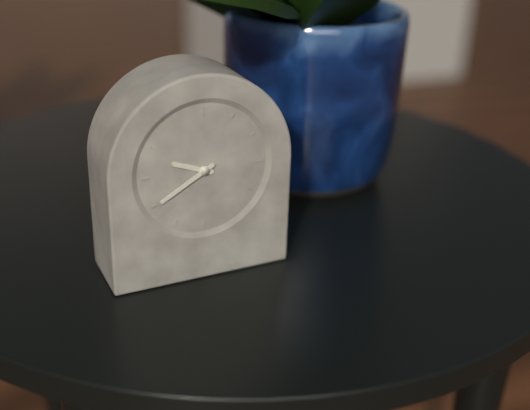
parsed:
9:40
